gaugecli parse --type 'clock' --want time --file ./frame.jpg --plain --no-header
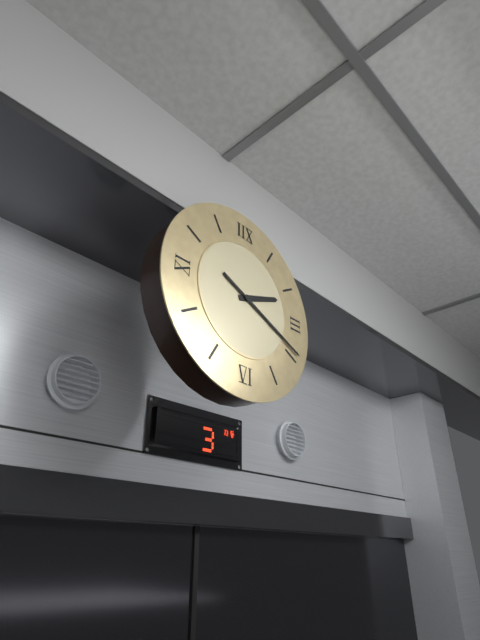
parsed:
2:19
